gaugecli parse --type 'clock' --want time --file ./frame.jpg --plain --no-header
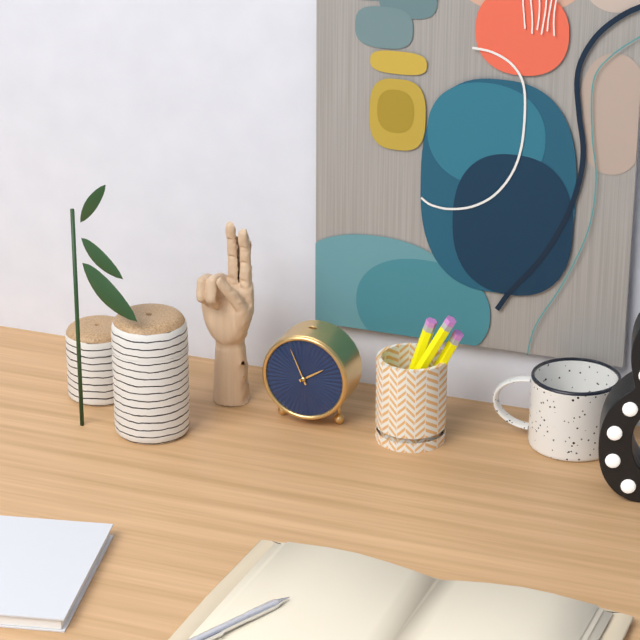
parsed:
1:56
